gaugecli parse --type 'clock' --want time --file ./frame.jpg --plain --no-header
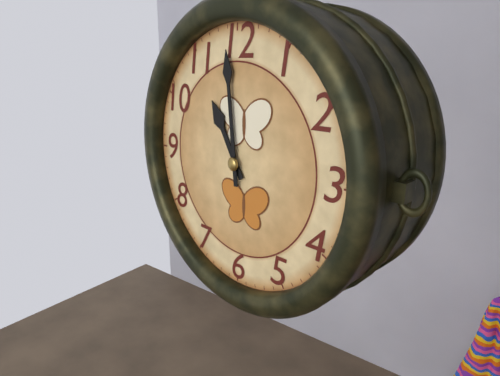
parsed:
10:59
